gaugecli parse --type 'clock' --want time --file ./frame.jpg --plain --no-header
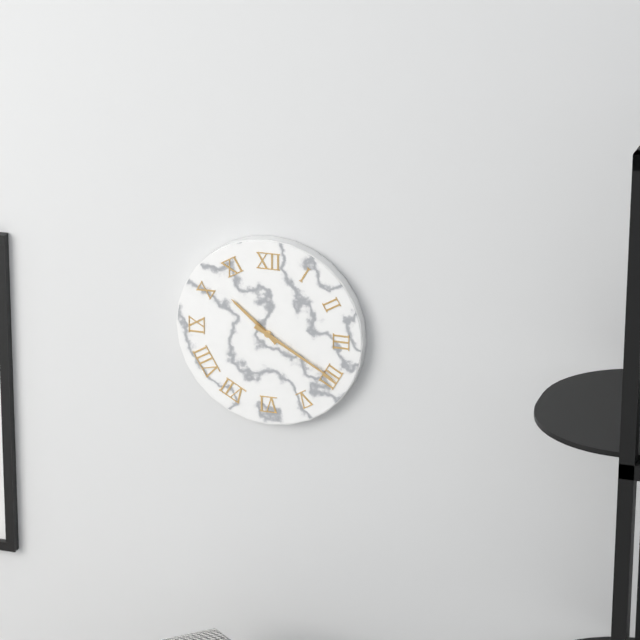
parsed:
10:20
